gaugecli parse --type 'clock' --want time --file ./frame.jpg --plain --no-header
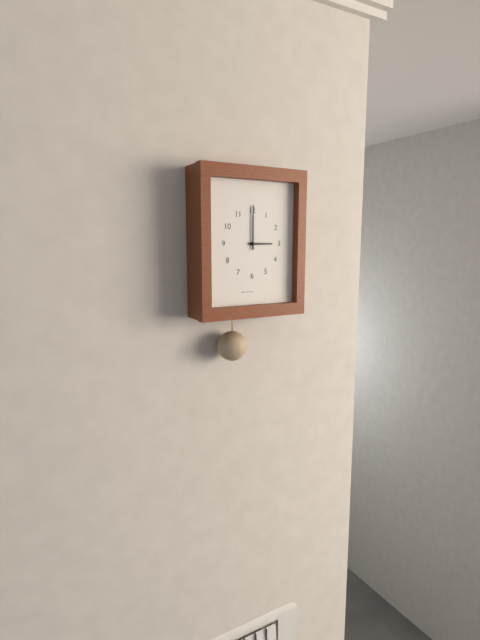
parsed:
3:00
